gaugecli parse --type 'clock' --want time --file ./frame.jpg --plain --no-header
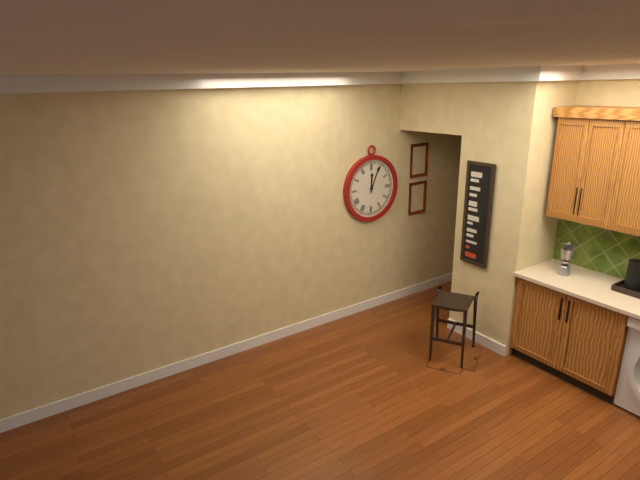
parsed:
12:04
